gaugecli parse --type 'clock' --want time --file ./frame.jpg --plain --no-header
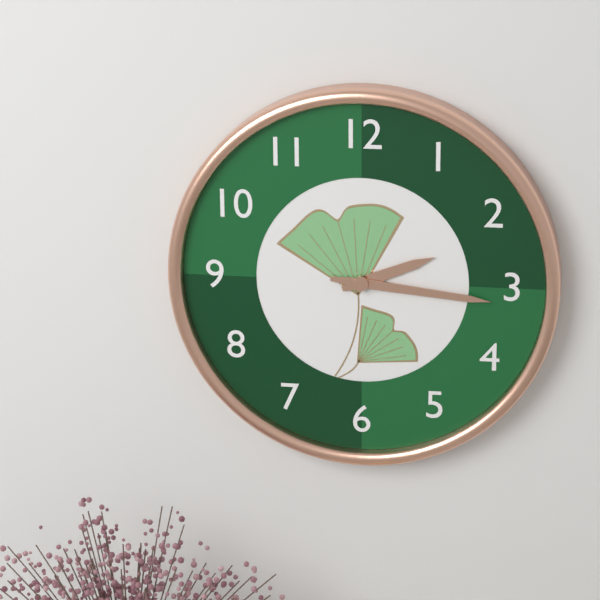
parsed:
2:16
